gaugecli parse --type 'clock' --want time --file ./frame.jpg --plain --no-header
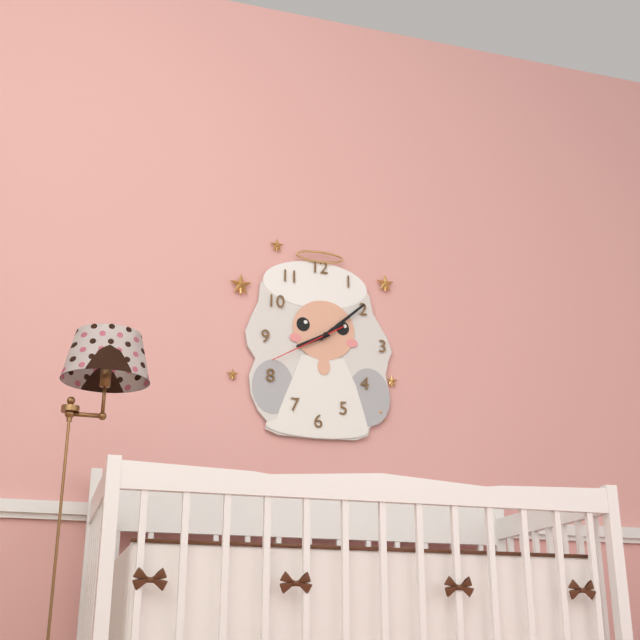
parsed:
8:08:40
